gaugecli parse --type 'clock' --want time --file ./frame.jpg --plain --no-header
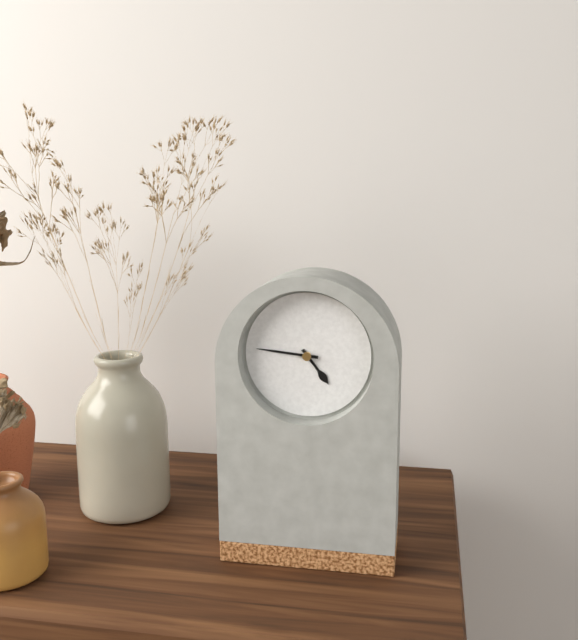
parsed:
4:46
